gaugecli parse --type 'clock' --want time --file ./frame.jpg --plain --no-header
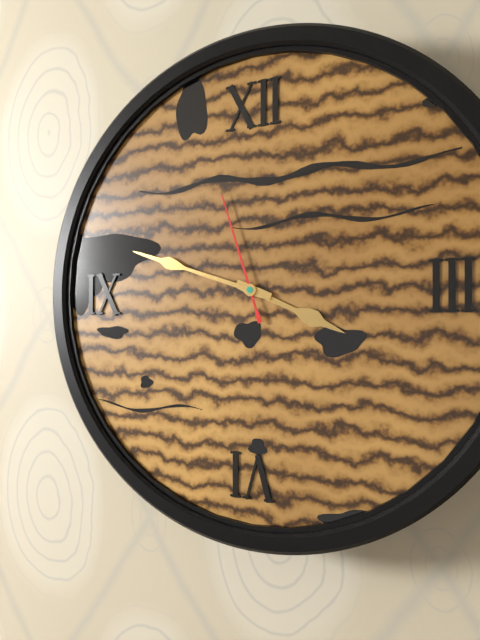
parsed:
3:48:57
